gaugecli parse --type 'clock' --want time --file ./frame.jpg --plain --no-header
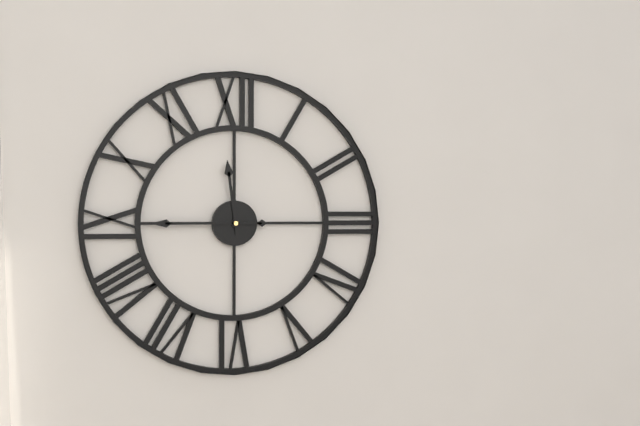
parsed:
11:45
